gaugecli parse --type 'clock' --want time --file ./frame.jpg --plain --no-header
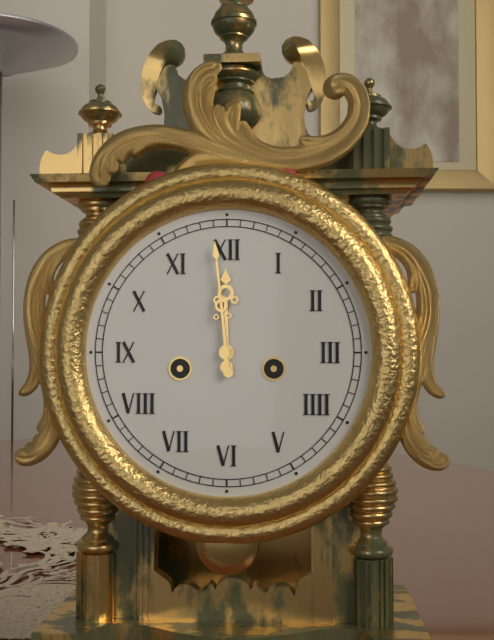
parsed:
11:59
